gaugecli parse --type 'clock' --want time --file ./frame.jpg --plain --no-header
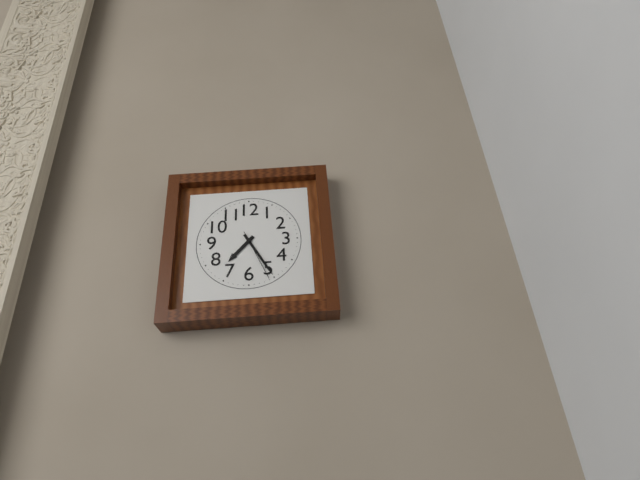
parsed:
7:25:26
